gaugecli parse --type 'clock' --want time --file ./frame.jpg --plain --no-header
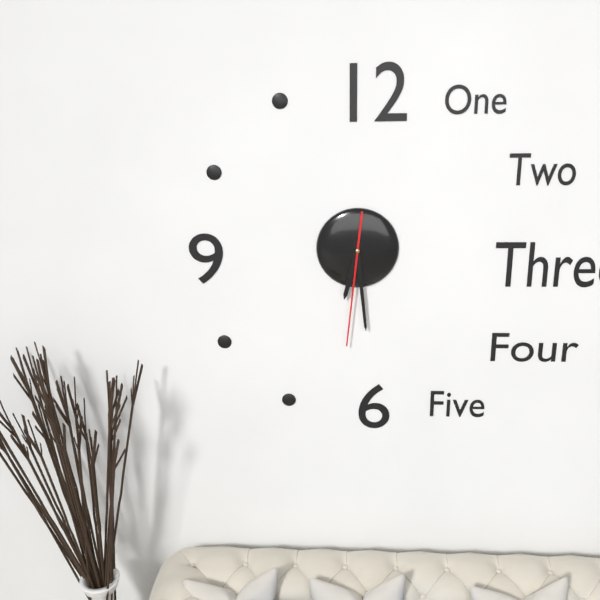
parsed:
6:29:31
